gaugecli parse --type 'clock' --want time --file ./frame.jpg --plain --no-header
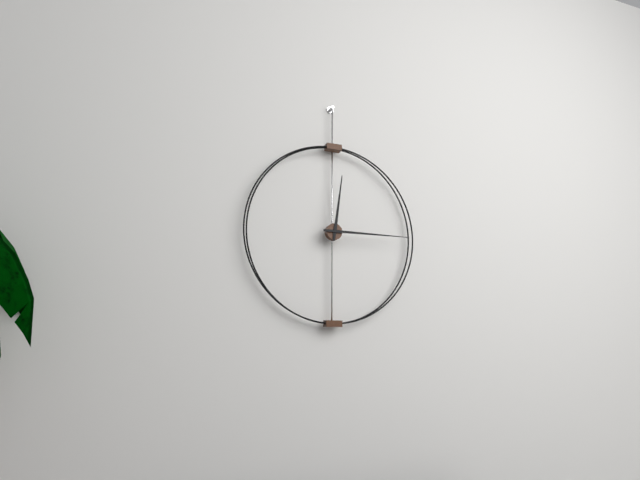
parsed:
12:15
